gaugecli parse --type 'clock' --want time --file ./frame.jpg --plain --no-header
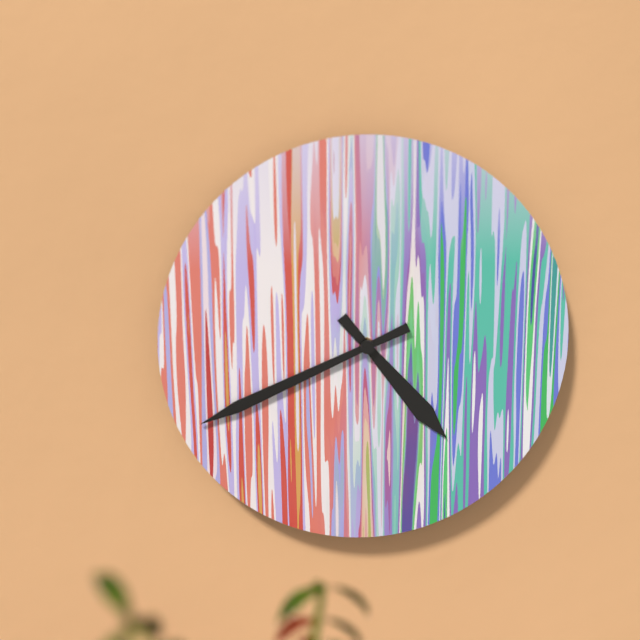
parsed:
4:41
